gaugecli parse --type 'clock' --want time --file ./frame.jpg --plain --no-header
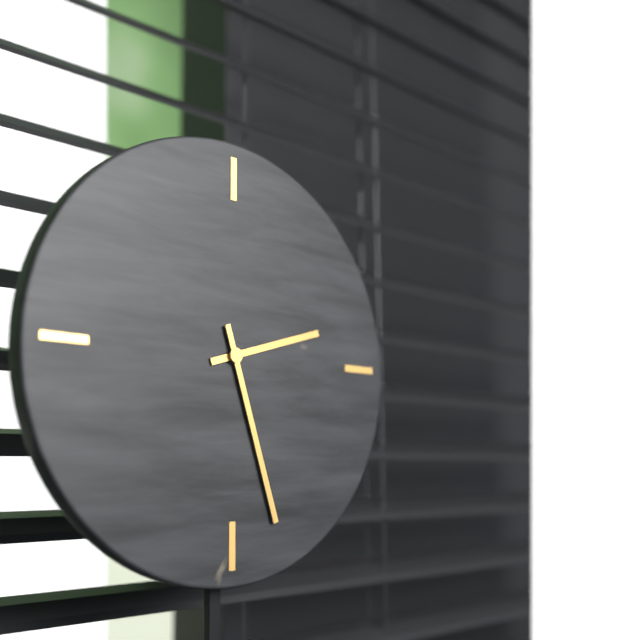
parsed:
2:27
